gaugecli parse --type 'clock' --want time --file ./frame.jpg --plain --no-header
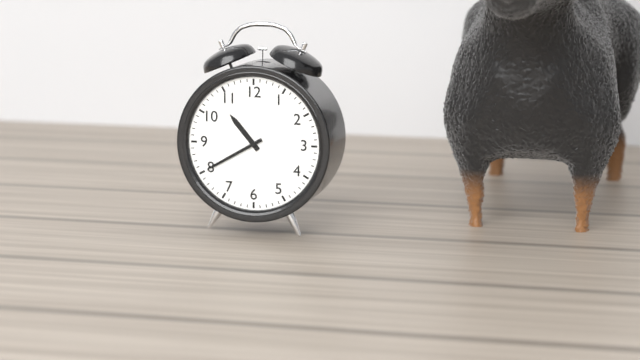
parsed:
10:40
